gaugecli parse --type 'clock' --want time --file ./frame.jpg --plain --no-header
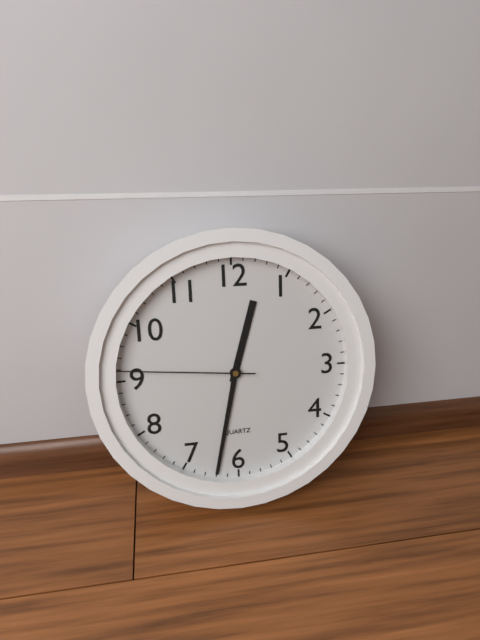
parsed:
12:32:46
